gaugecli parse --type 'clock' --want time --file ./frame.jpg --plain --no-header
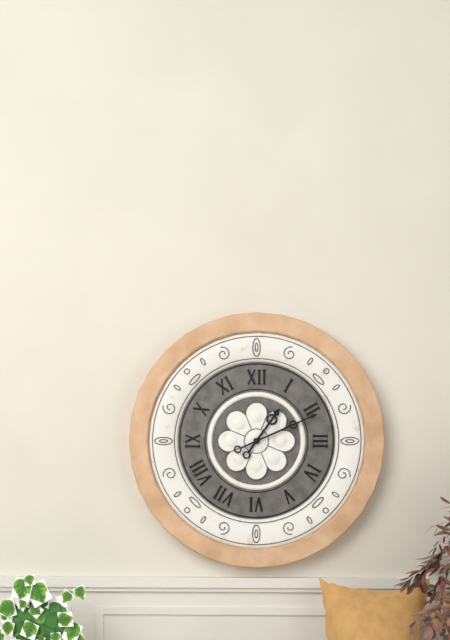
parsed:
1:11
